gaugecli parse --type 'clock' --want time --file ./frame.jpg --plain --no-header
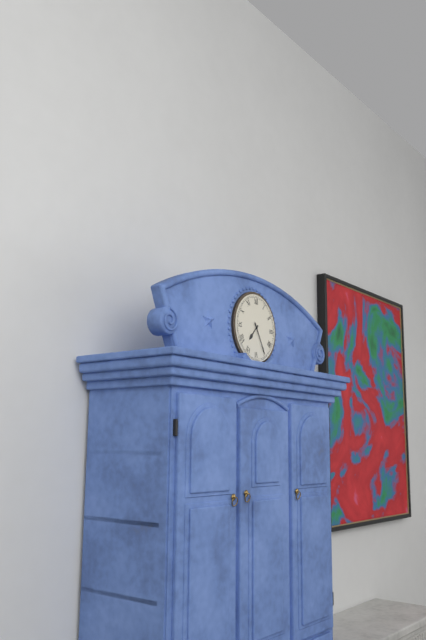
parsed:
7:25
